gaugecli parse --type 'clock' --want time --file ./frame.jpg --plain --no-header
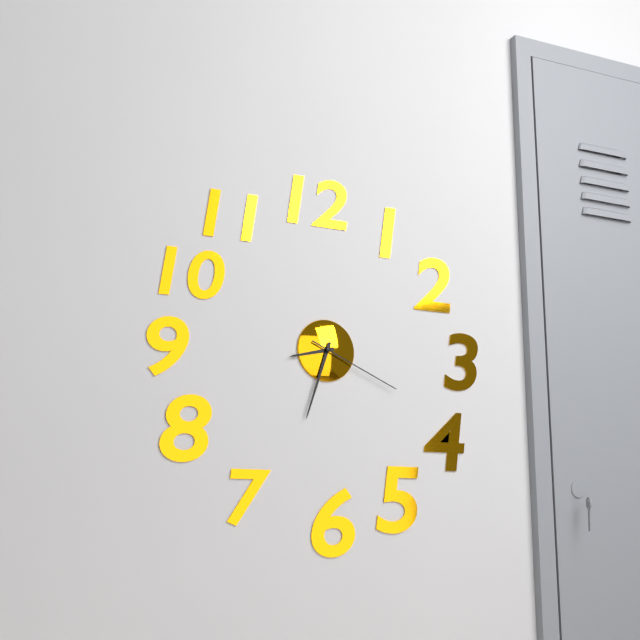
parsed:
8:33:19
